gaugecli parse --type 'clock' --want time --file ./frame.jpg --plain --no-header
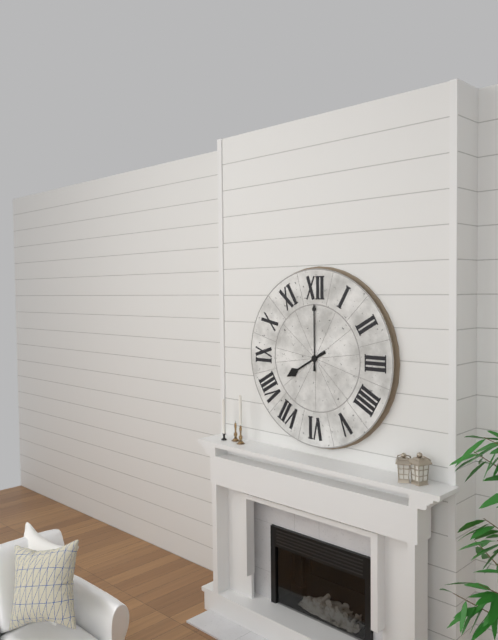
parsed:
8:00
